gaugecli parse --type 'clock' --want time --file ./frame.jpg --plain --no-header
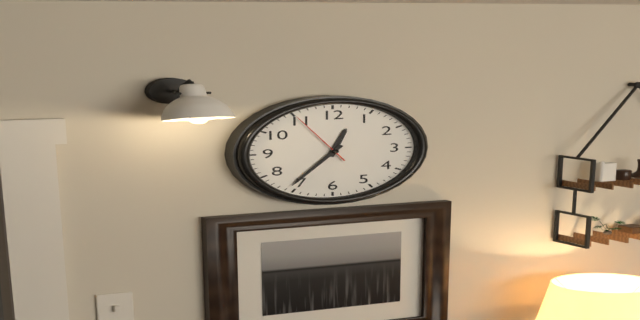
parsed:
12:36:55
